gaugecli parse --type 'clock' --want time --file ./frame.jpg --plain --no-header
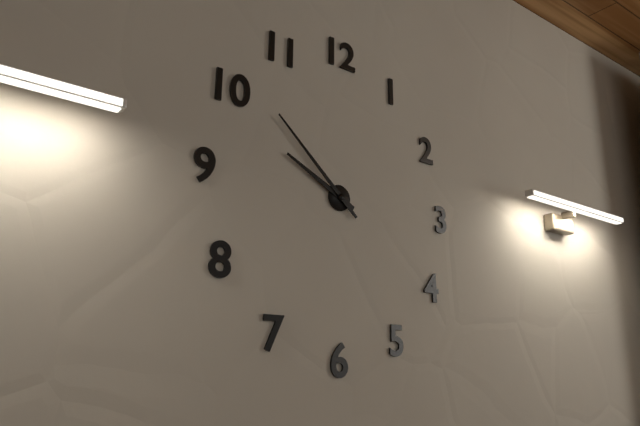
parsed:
9:52
